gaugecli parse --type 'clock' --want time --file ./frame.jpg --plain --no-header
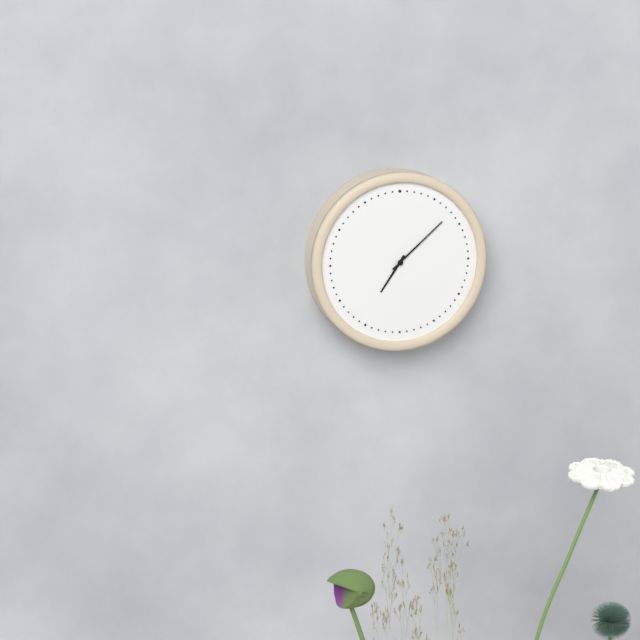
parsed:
7:08
